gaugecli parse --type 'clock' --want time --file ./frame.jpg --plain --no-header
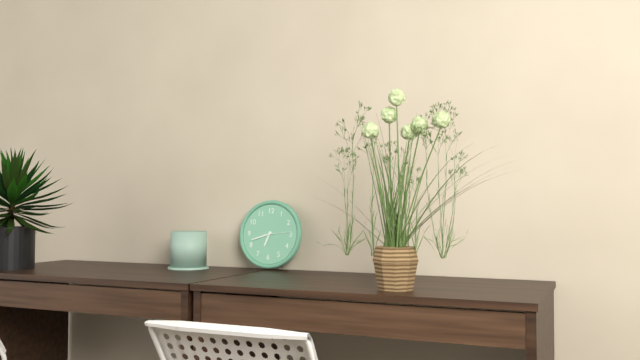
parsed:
6:42
